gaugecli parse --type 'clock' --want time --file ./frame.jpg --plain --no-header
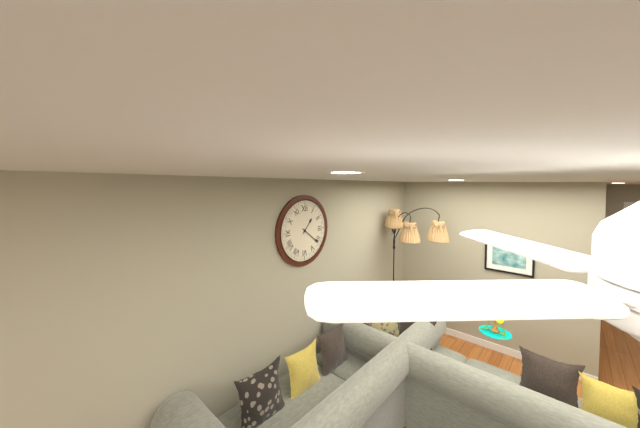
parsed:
1:21
